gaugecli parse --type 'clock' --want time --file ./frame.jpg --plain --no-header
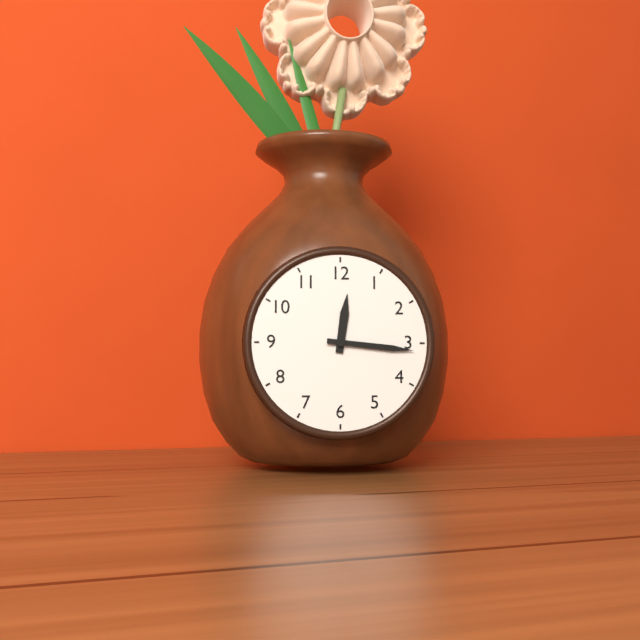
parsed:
12:16
